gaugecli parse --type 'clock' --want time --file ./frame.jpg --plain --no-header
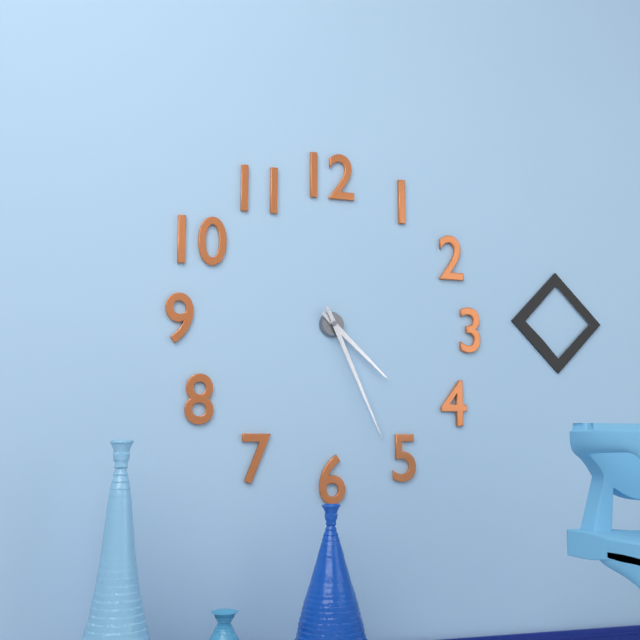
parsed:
4:26
